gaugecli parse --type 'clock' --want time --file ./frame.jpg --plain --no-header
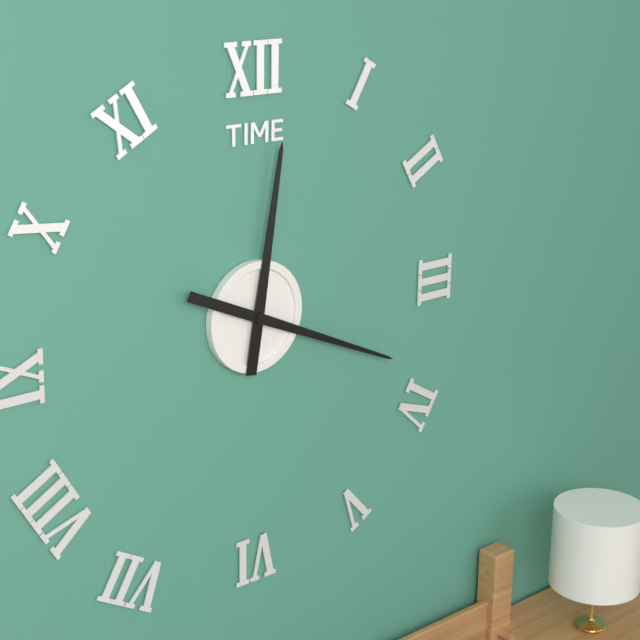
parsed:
12:19
